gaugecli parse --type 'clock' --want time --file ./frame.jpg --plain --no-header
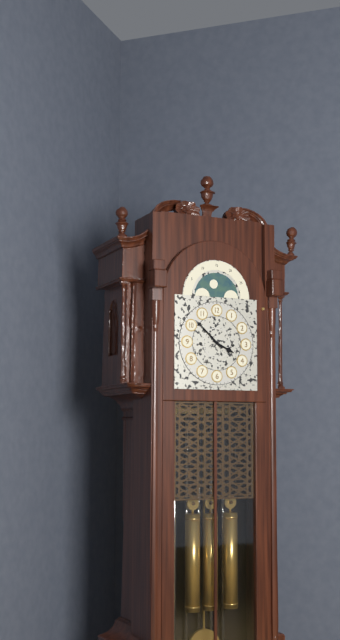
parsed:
3:52
